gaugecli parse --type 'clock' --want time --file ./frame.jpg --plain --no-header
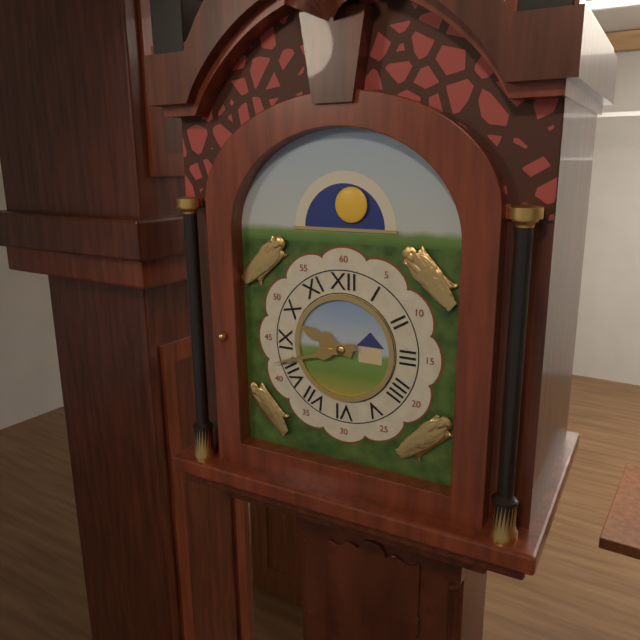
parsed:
9:42
